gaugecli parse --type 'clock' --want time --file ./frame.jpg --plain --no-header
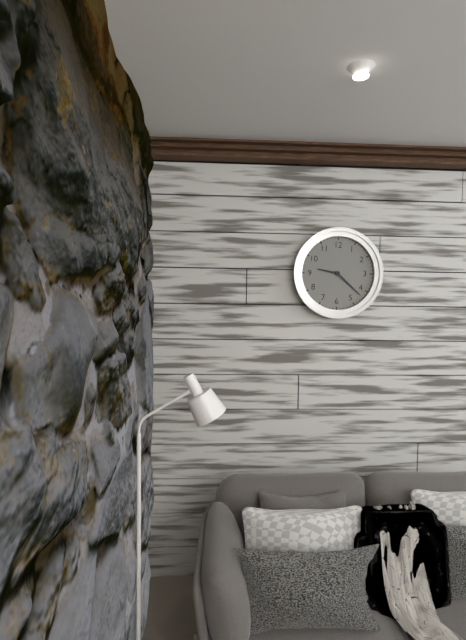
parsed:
9:22
